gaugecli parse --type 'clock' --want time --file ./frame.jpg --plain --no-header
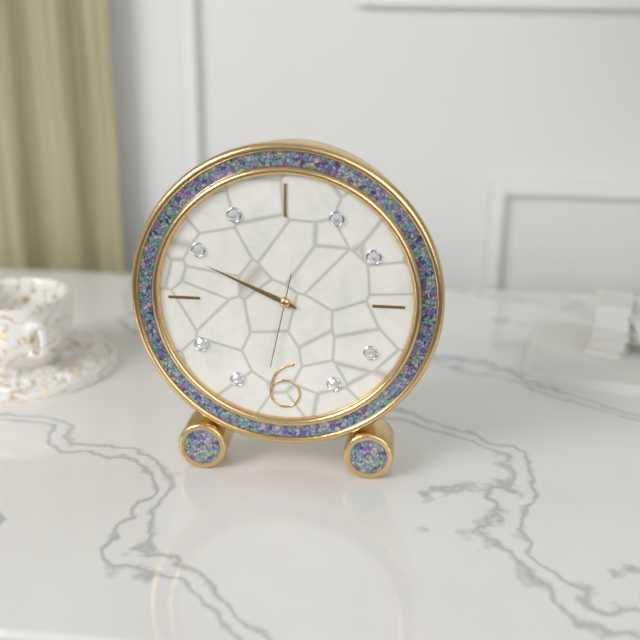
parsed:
9:49:32
